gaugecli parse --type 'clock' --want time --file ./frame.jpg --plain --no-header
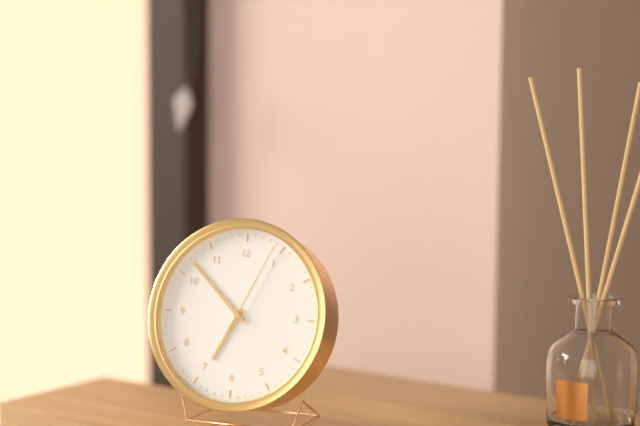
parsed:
6:52:04
